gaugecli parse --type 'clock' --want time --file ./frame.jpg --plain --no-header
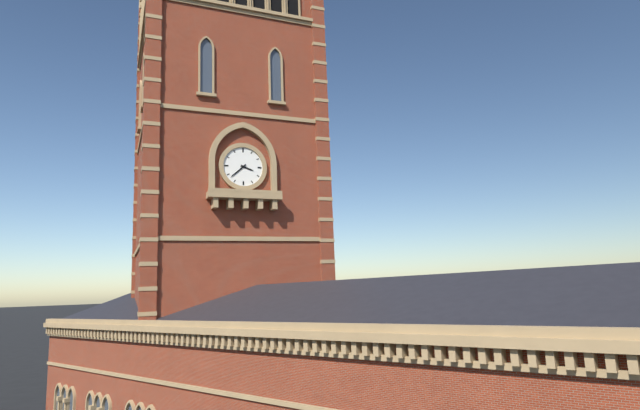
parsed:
3:38
